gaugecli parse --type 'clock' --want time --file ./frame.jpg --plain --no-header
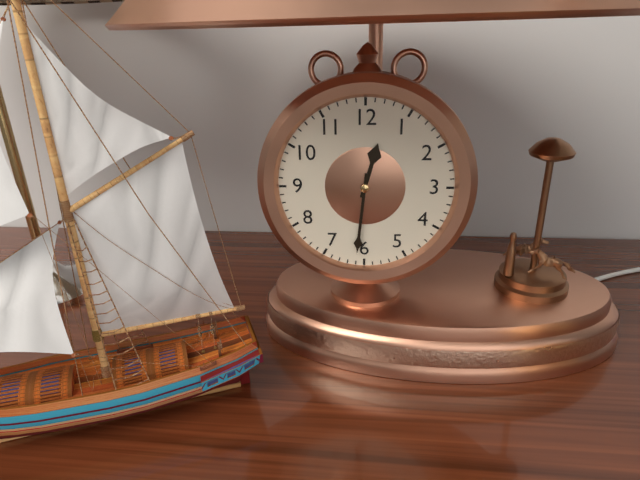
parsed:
12:31
